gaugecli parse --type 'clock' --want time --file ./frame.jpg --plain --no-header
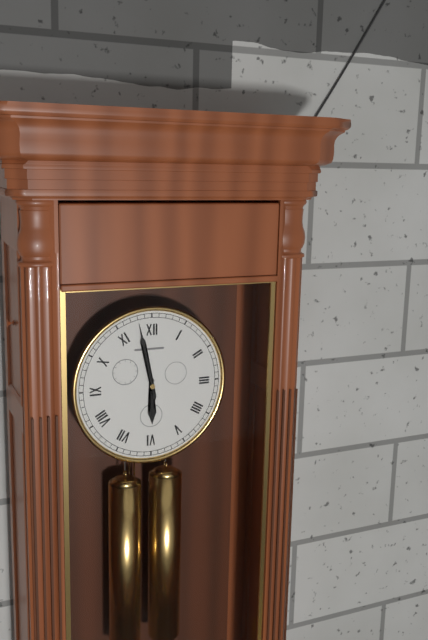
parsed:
5:58
